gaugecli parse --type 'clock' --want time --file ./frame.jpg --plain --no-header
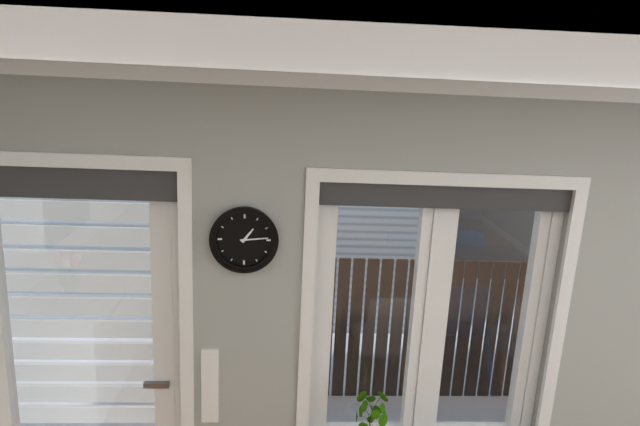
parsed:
1:14
